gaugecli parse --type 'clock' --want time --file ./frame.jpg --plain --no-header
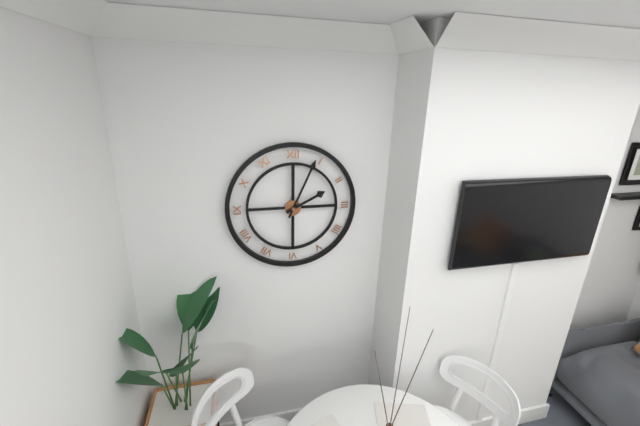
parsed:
2:04
